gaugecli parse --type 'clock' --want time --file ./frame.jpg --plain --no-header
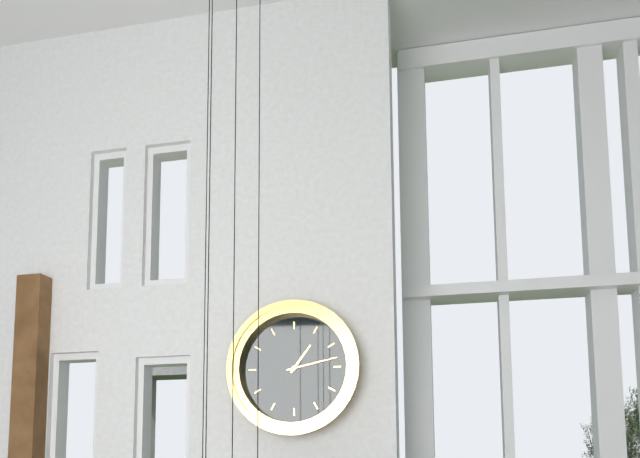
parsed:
1:13
